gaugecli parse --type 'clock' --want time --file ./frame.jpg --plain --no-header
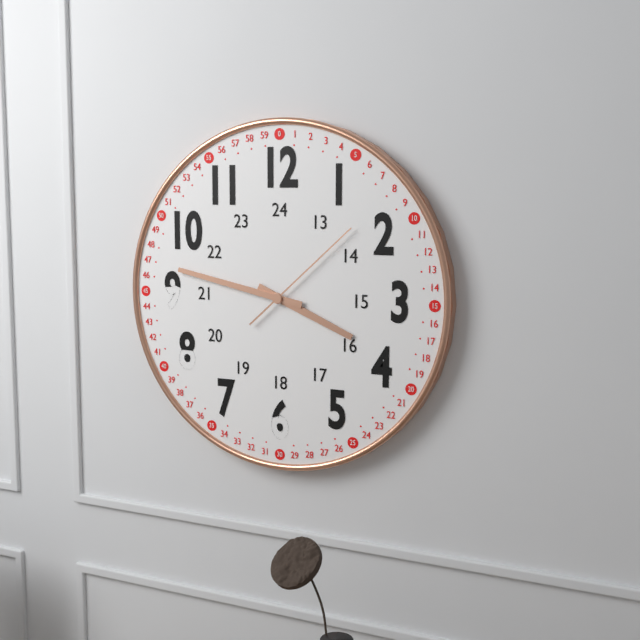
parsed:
3:47:08
